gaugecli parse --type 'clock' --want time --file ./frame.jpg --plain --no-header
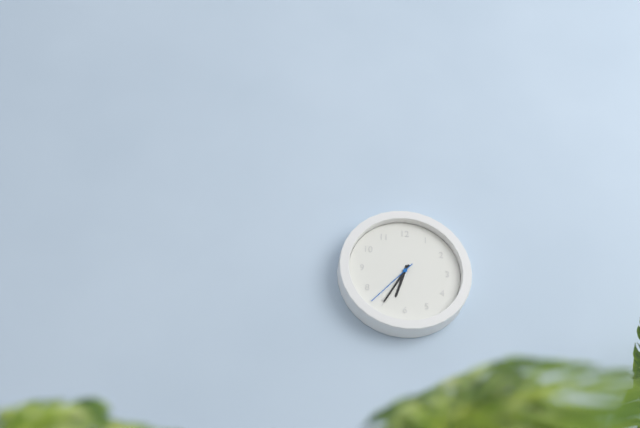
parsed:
6:35:37
